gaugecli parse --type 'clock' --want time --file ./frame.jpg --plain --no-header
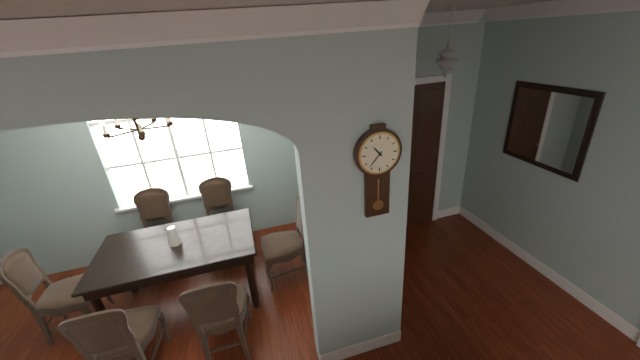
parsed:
10:37
